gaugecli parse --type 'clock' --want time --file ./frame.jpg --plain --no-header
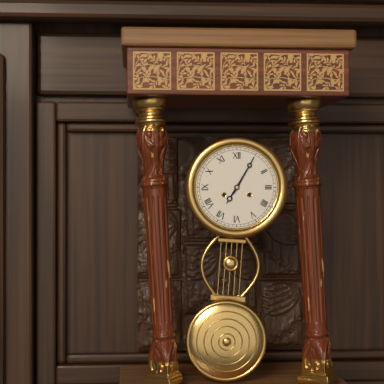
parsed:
7:05
